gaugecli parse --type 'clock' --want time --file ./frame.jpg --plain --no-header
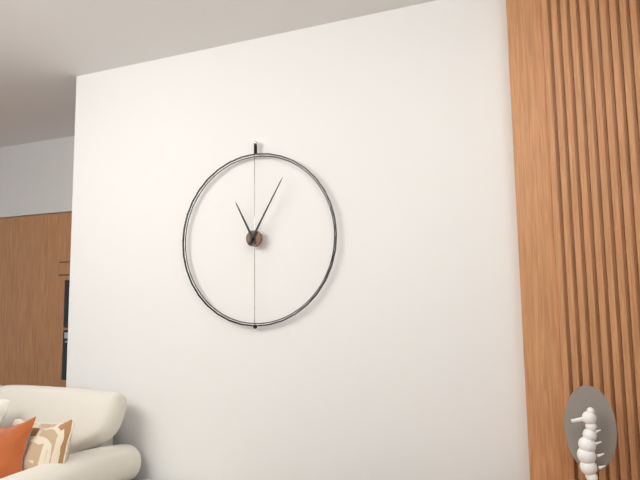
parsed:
11:05
